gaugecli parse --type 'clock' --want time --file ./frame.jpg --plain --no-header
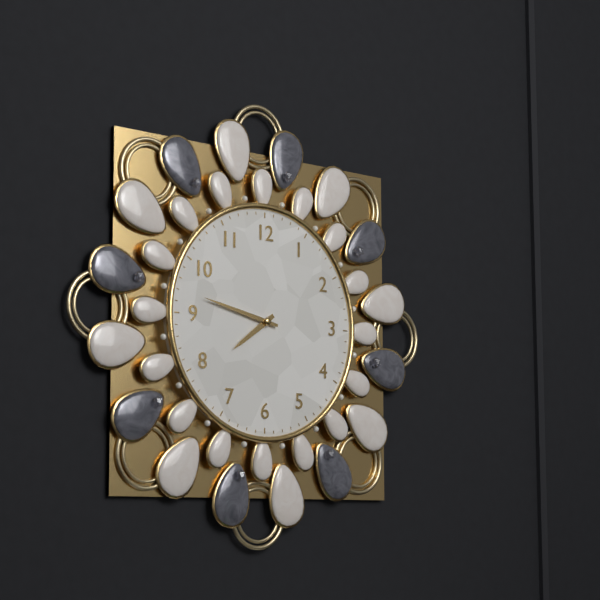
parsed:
7:47
